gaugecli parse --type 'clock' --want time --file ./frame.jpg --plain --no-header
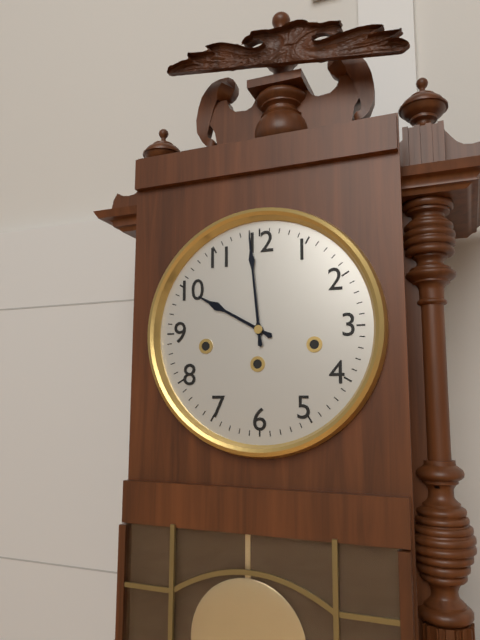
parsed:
9:59
